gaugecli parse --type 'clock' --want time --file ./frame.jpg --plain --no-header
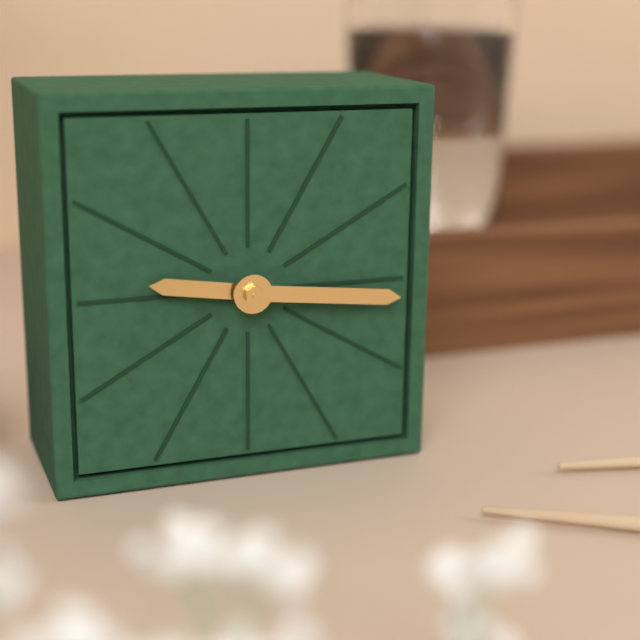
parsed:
9:16
